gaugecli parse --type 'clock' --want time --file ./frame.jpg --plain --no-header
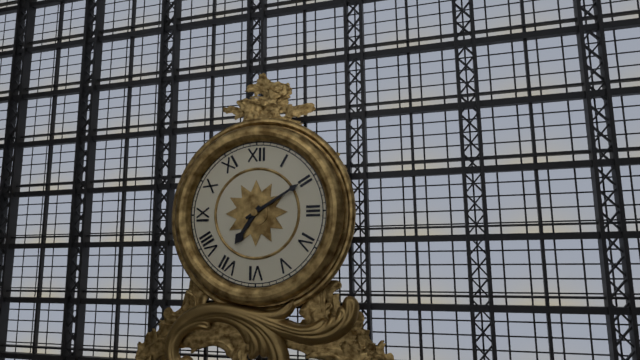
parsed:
7:10
